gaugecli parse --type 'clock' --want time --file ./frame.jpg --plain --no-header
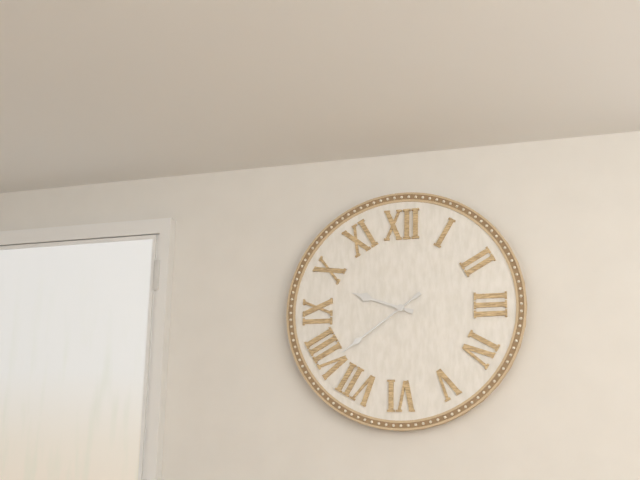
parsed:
9:39
